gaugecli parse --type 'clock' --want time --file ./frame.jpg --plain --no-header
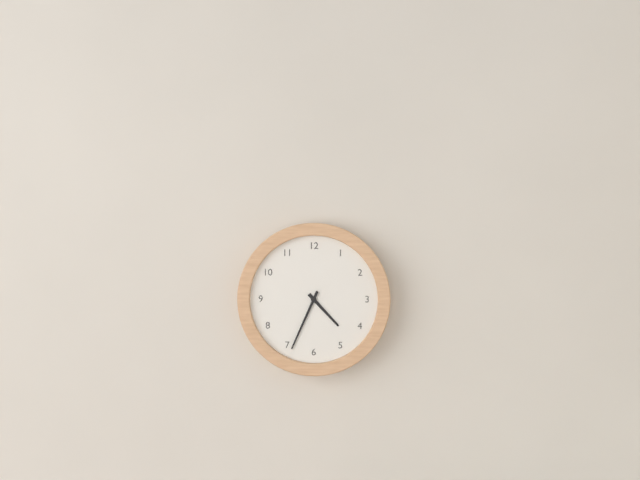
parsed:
4:34
